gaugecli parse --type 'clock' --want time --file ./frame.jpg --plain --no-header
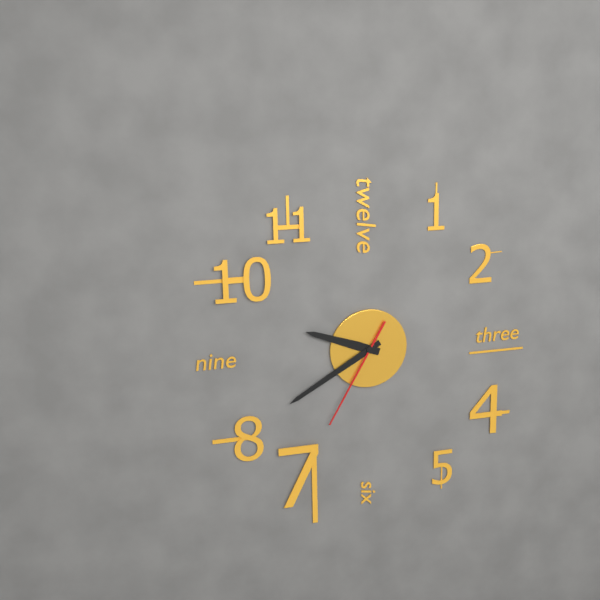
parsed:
9:40:35
